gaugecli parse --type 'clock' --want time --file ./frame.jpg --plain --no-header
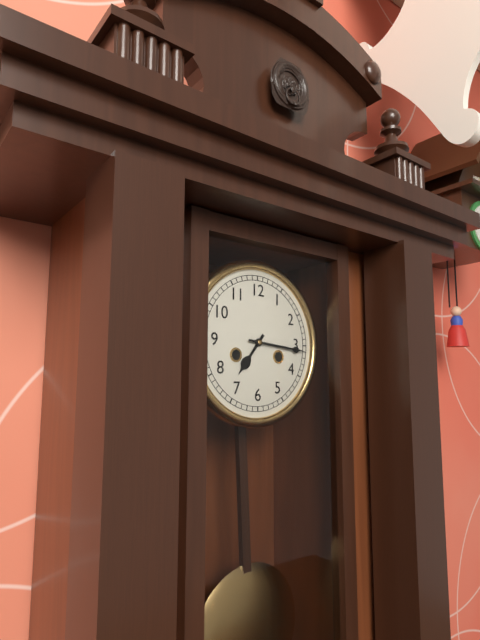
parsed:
7:16
